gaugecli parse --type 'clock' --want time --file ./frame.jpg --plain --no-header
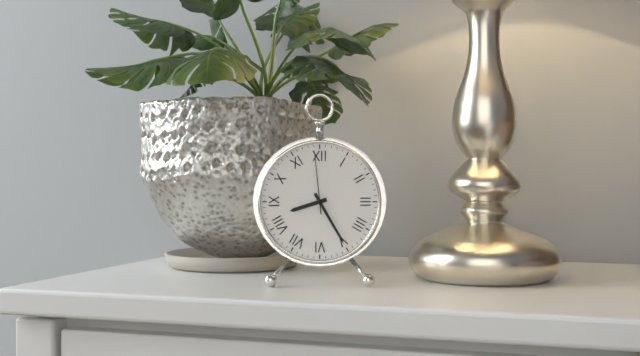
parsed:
8:25:59
